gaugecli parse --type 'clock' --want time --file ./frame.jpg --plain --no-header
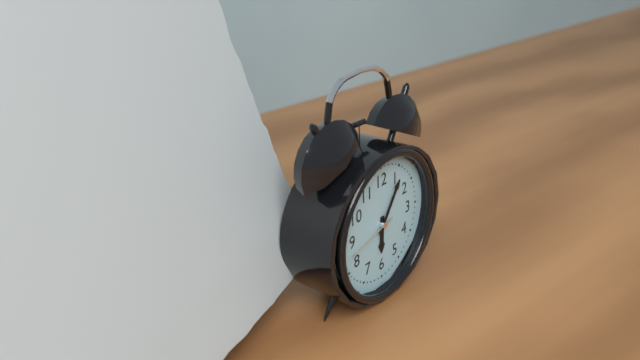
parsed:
6:06:43
